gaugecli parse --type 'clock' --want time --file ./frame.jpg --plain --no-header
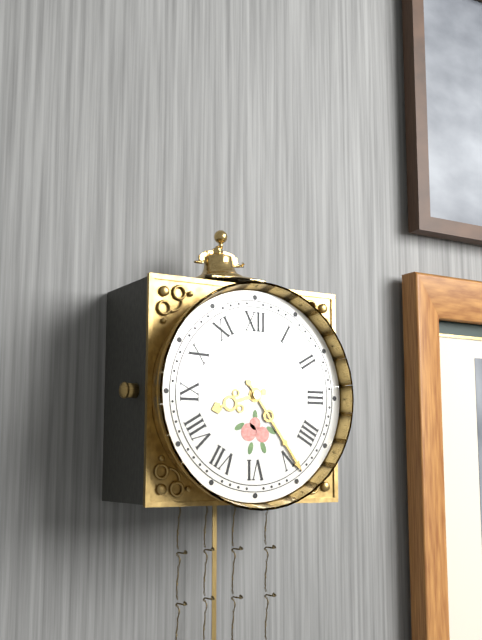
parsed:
8:24
